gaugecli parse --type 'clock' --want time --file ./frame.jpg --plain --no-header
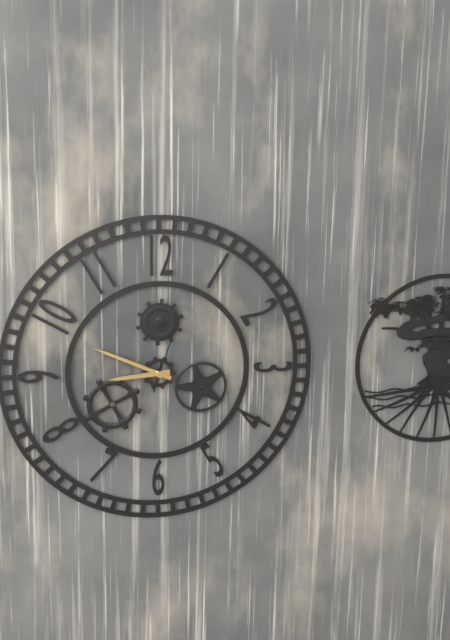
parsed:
8:49:03
